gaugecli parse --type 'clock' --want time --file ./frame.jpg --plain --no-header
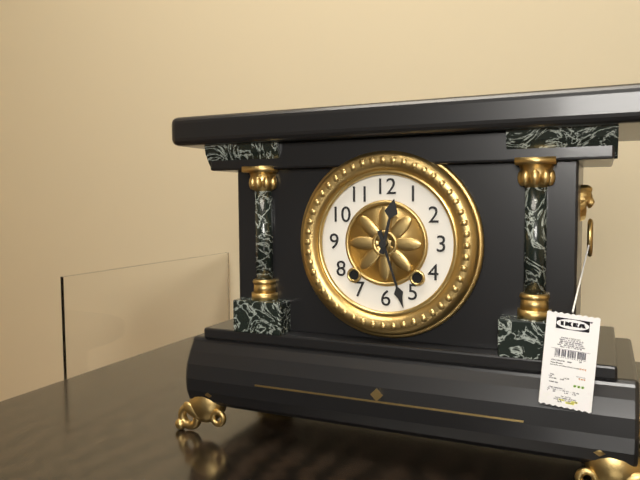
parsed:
12:27
